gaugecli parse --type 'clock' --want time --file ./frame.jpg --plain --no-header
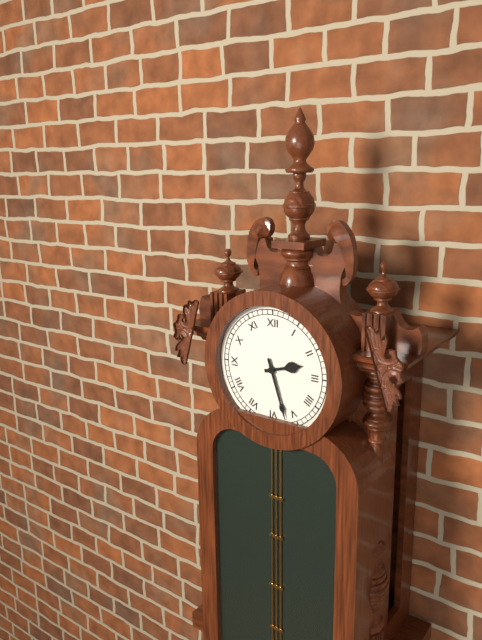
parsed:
2:27
